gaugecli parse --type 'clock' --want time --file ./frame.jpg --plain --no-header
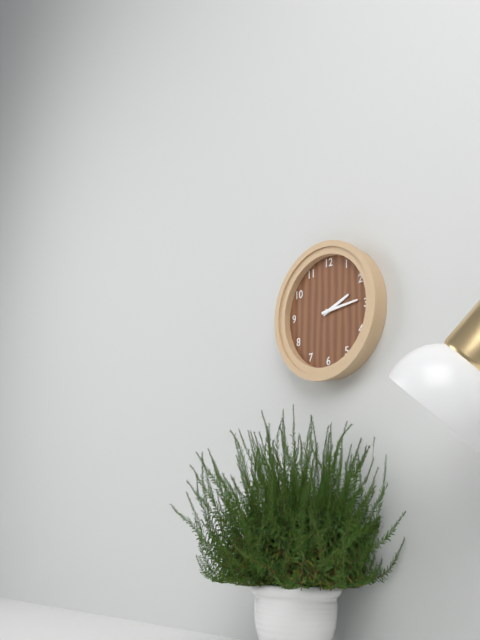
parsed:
2:14
